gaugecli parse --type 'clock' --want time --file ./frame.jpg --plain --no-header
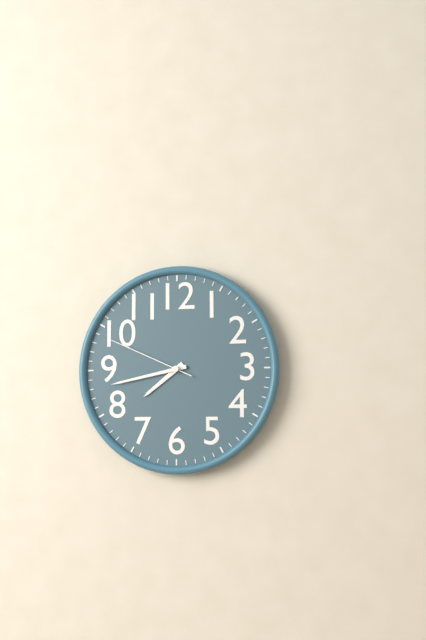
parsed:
7:43:49
